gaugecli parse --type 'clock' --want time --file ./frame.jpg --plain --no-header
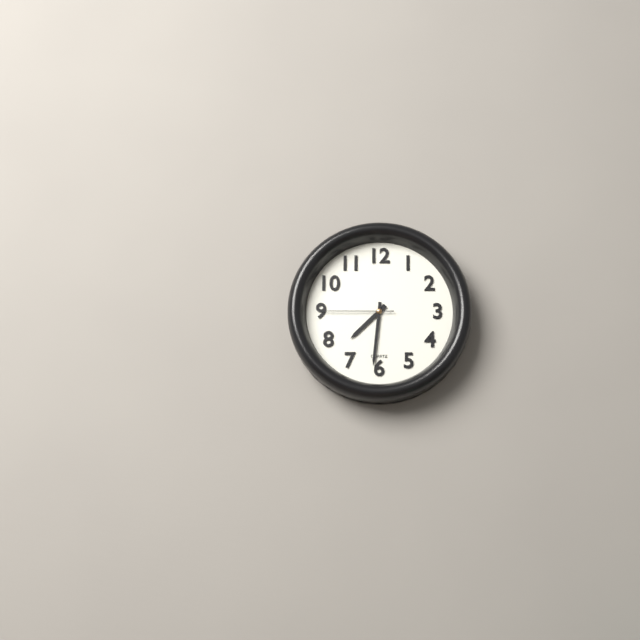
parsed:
7:31:45
